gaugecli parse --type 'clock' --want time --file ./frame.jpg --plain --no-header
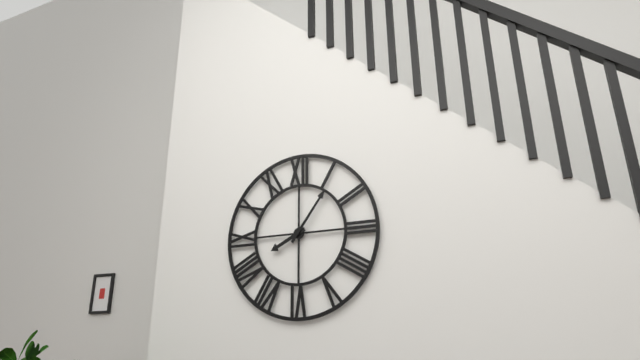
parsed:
8:06
